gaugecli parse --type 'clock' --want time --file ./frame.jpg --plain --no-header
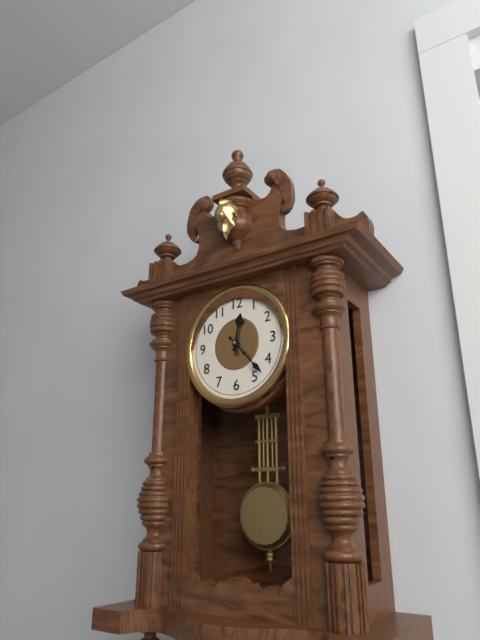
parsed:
12:23
